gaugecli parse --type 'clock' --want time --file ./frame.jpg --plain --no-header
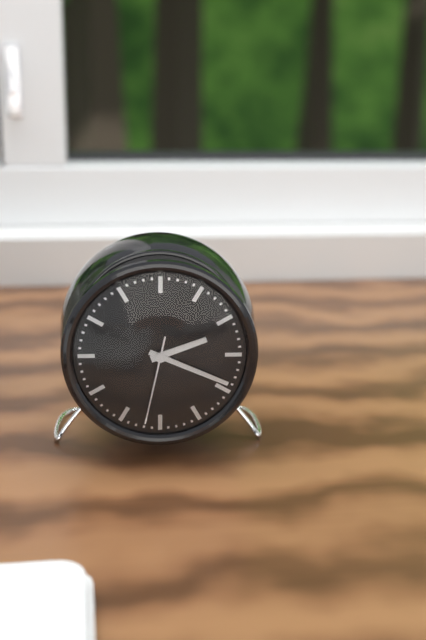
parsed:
2:19:32
